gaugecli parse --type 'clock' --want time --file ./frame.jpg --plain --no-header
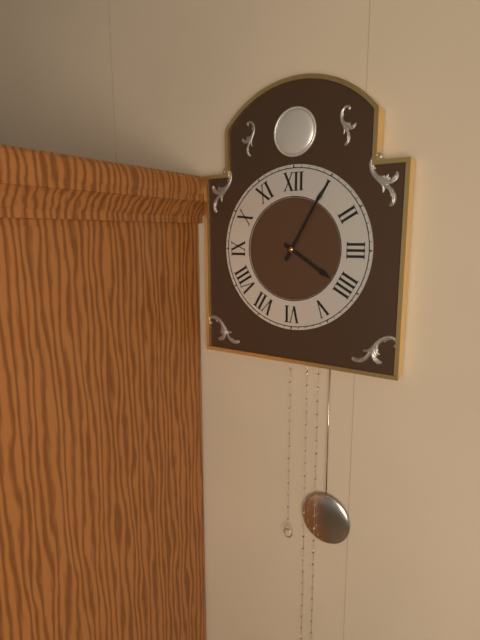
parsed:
4:05
